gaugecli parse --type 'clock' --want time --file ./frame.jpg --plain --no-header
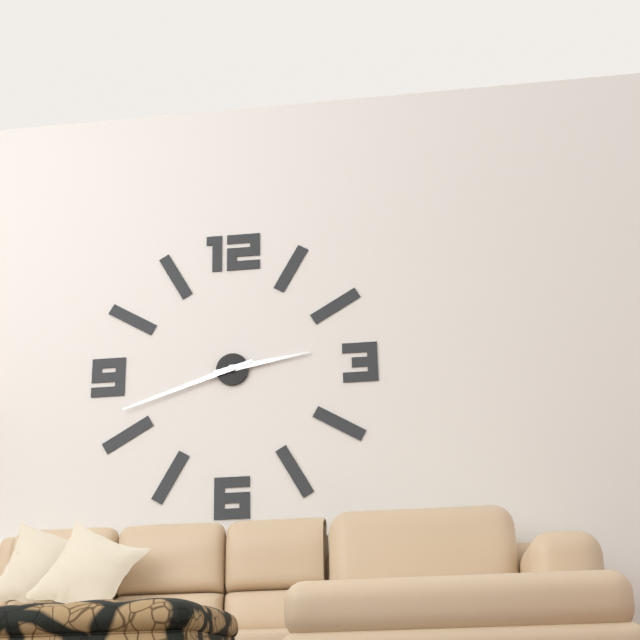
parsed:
2:42
